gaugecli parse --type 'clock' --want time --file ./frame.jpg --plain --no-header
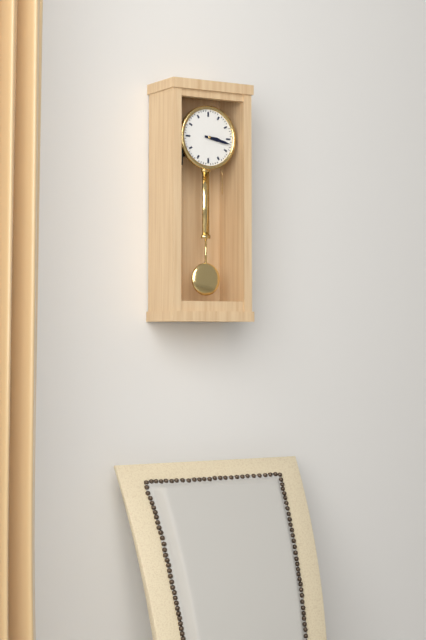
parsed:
3:17
